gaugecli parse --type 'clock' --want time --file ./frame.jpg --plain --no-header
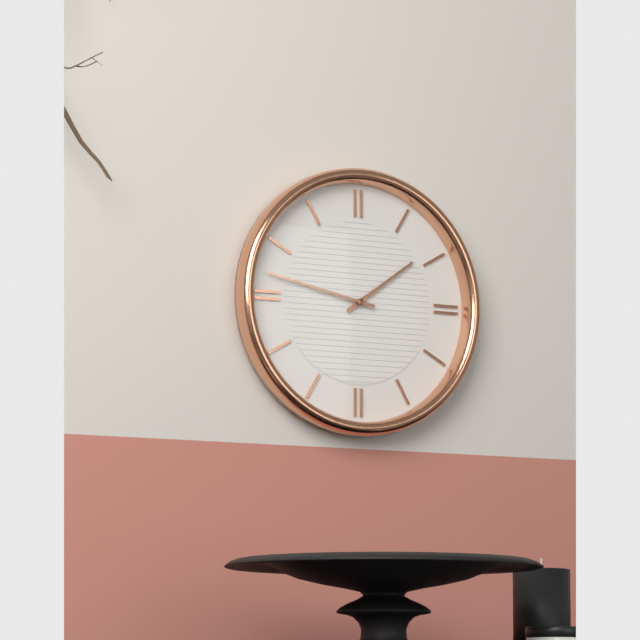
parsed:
1:47
